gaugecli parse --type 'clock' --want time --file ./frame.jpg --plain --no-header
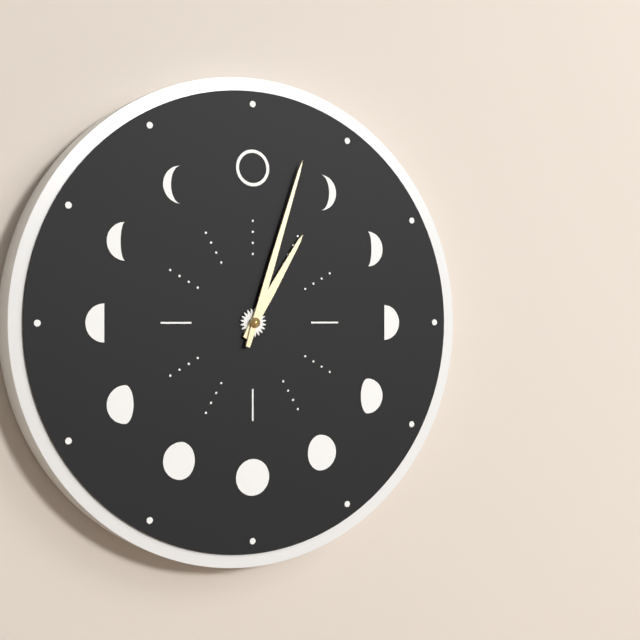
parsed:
1:03
